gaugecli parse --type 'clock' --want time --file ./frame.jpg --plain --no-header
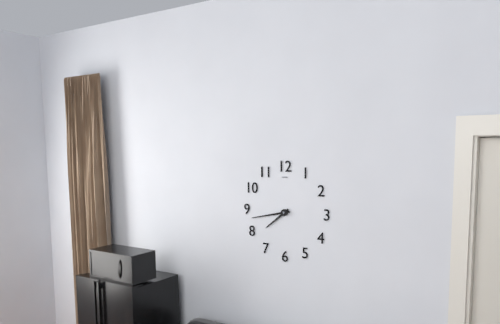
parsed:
7:43
